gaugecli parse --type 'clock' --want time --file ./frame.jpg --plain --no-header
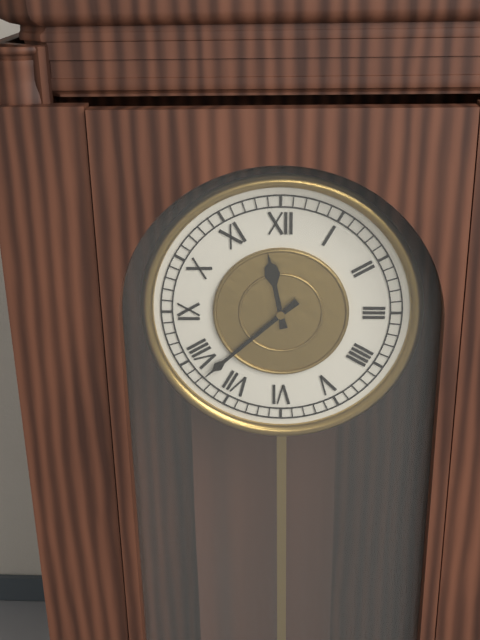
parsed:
11:38
